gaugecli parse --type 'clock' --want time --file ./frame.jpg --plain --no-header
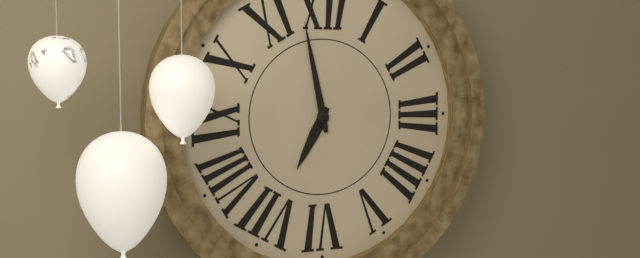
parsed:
6:58
